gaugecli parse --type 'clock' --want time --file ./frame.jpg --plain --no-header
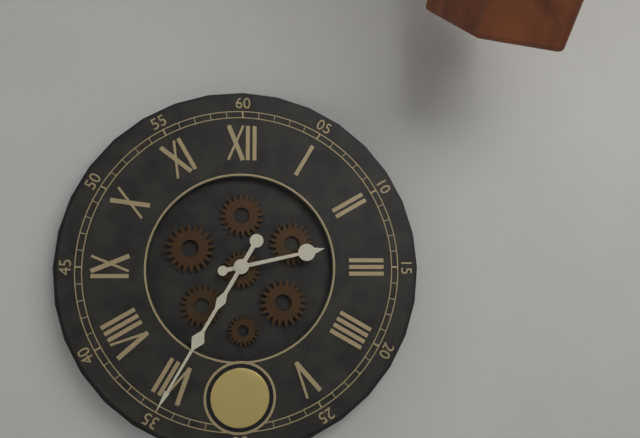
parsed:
2:35
